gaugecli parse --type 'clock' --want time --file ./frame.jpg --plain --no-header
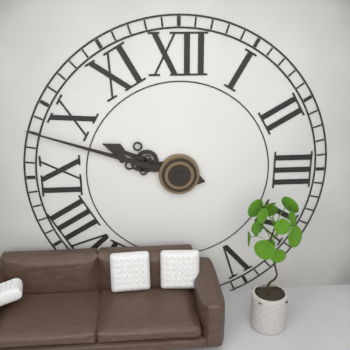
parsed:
9:48
